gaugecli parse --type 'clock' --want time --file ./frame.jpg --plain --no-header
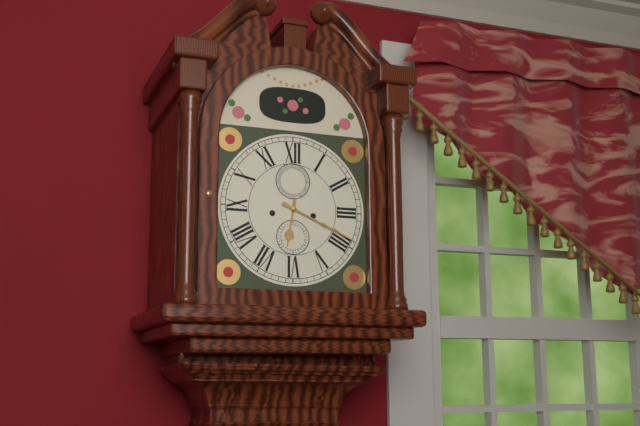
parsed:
6:19
